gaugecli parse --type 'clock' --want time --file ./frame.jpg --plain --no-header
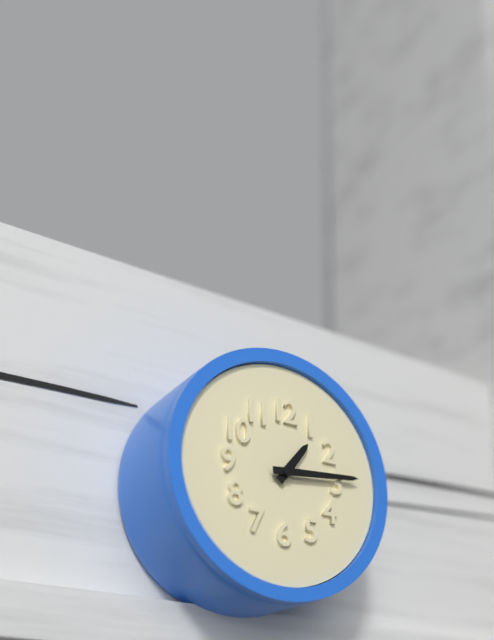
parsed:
1:14
